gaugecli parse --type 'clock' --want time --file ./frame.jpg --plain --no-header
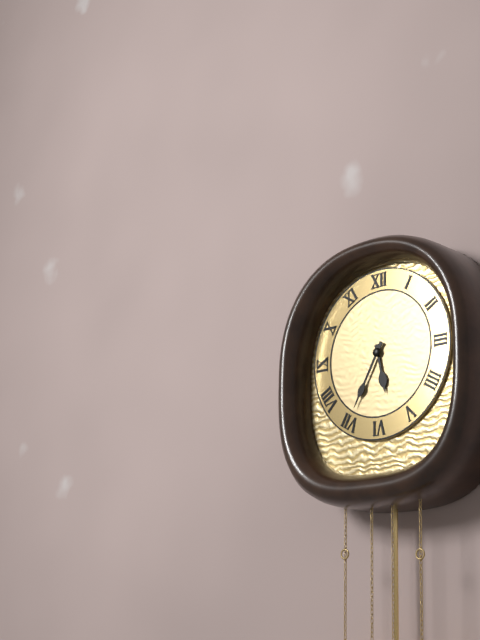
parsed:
5:35
